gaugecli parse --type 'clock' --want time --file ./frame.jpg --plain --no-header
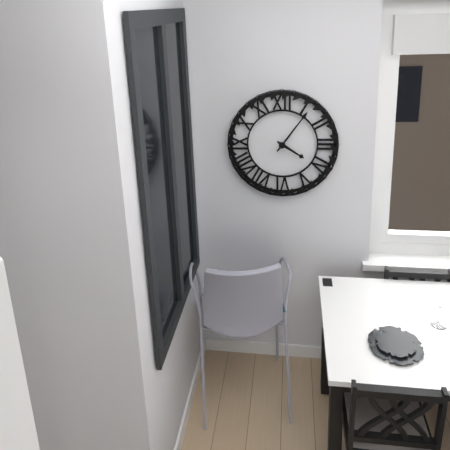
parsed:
4:06
